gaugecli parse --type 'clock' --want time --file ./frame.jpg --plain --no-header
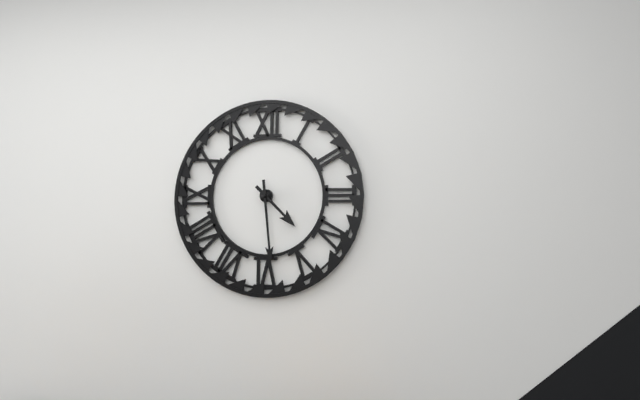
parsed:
4:29
